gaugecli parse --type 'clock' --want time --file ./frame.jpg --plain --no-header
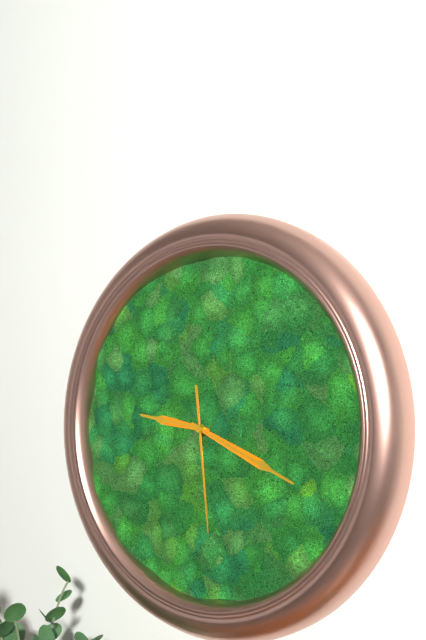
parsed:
9:19:29
